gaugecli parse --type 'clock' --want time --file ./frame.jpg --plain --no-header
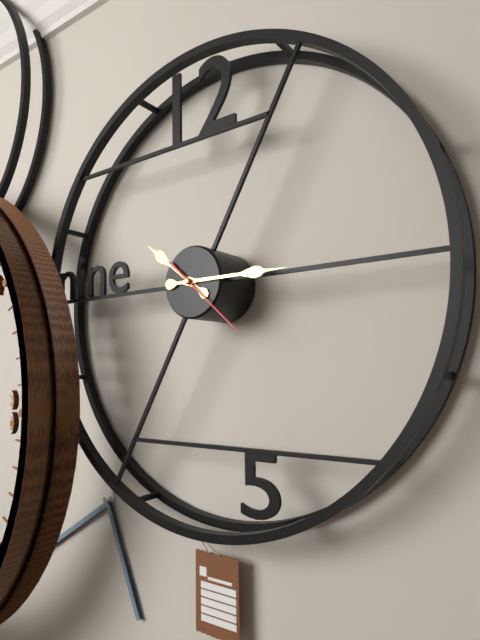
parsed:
10:15:22
